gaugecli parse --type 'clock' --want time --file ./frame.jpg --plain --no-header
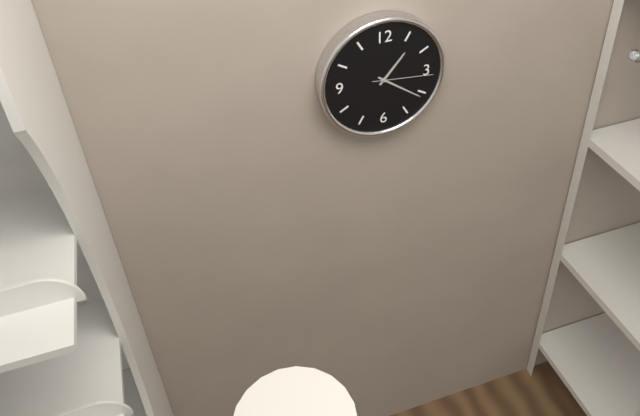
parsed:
1:21:16
